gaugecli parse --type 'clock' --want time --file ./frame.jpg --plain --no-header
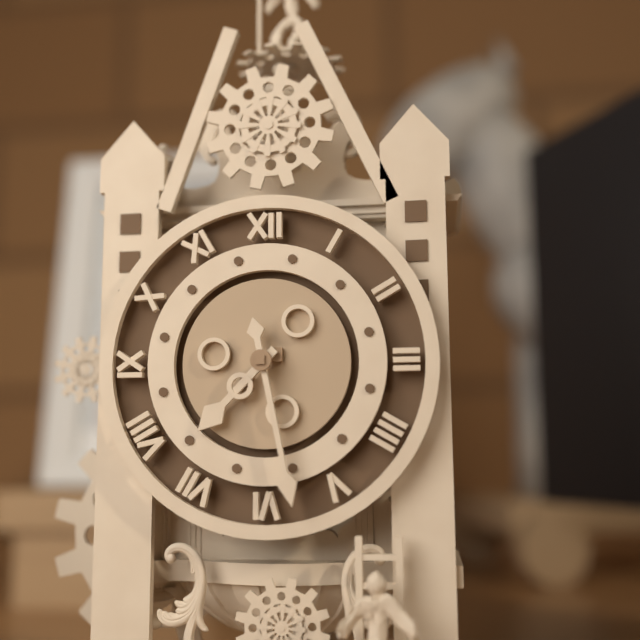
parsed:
7:28
